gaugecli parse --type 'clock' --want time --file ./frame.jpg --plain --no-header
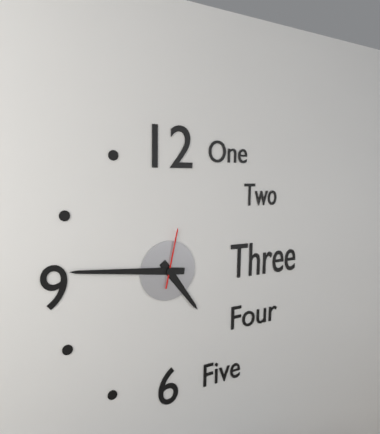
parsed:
4:46:02
